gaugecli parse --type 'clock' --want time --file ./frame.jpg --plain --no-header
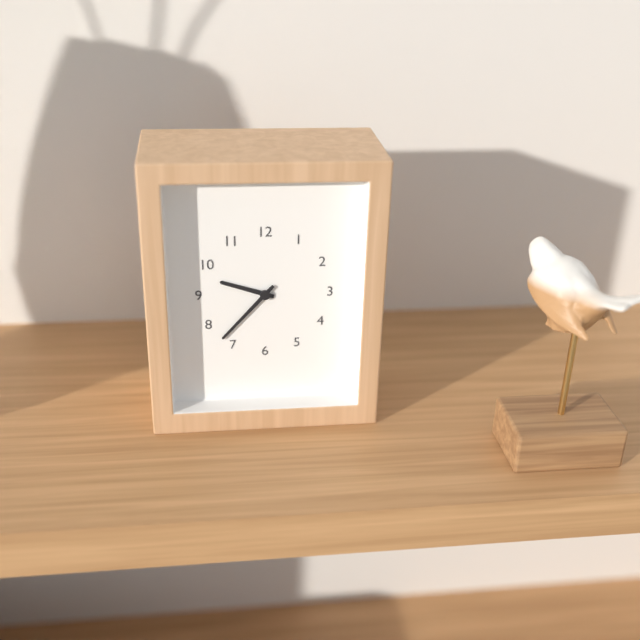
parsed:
9:37
